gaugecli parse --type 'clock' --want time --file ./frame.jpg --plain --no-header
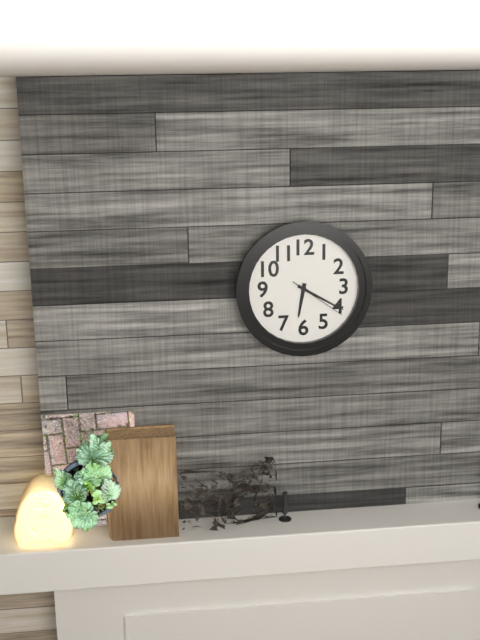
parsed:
6:20:21
